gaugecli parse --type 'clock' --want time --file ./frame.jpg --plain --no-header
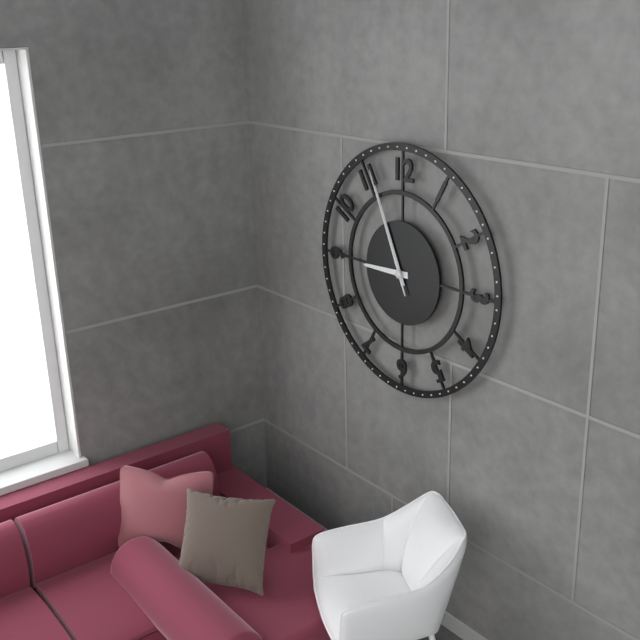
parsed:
8:56:56
